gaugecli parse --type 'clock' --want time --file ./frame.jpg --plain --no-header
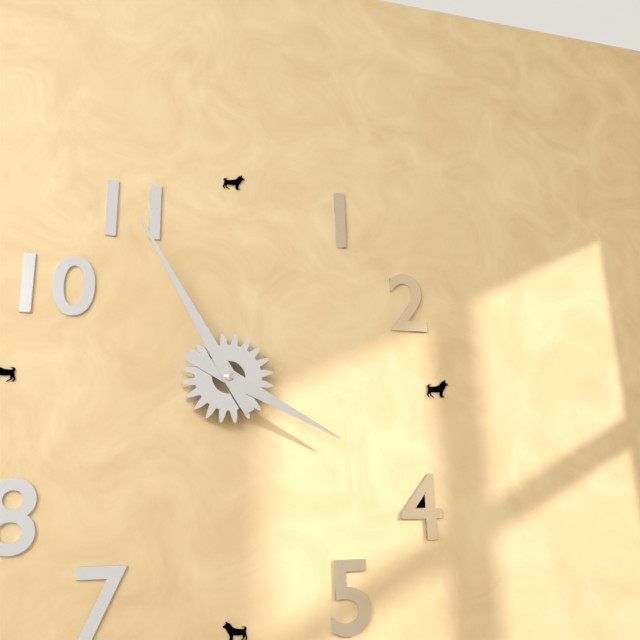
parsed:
3:55
